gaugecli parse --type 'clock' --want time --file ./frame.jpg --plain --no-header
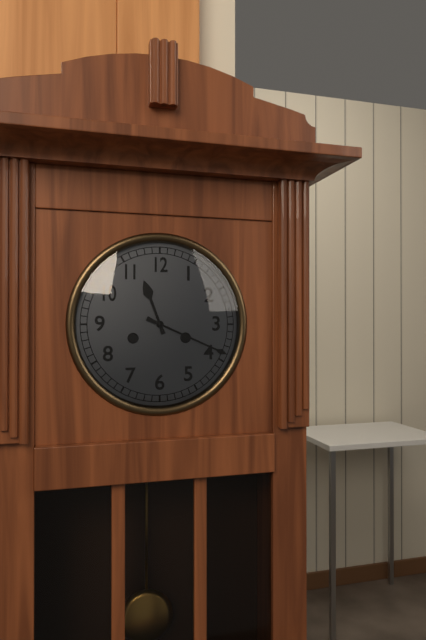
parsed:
11:19
